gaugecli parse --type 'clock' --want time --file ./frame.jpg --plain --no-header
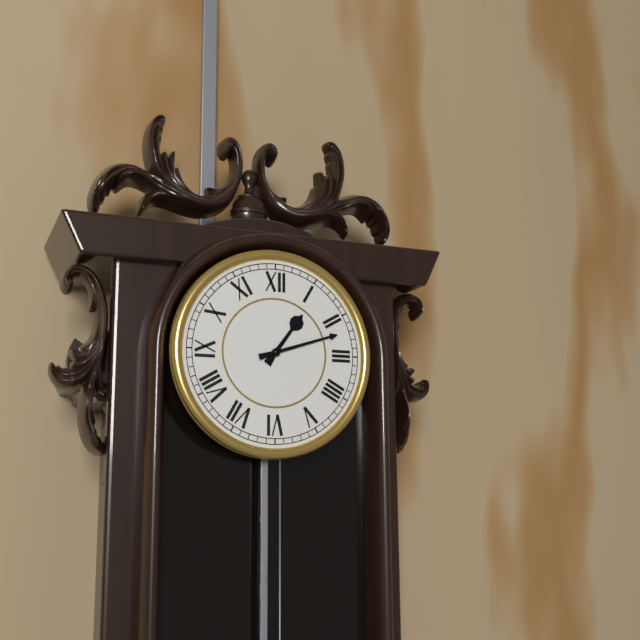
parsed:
1:12
